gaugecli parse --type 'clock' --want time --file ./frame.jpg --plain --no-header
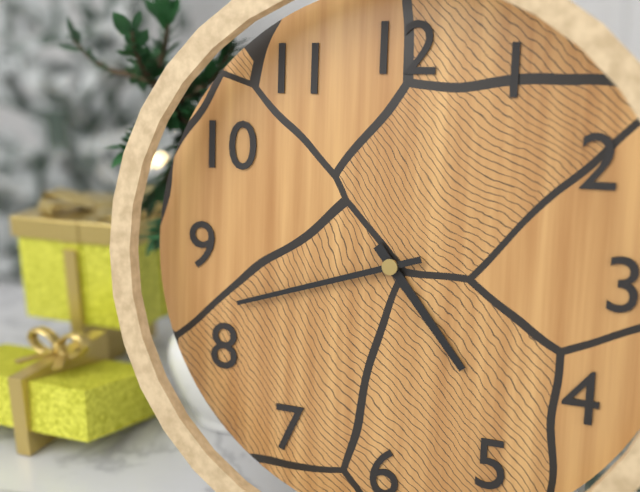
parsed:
4:42
